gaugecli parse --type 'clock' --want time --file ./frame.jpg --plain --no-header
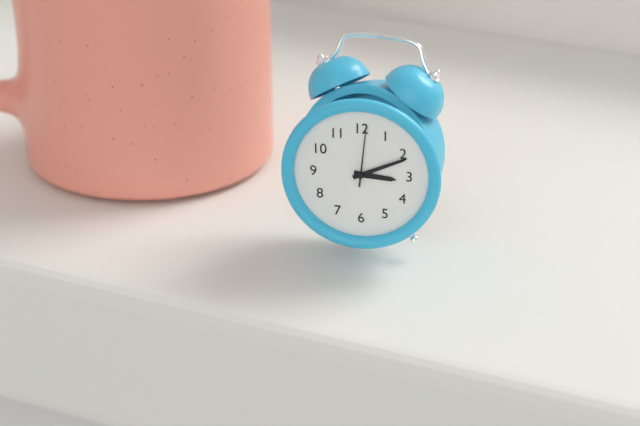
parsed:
3:11:01
